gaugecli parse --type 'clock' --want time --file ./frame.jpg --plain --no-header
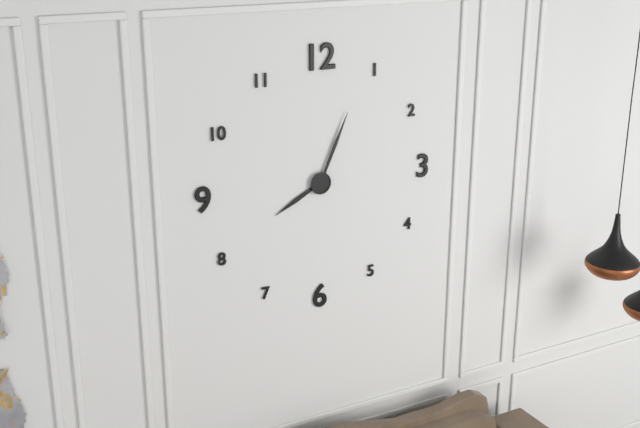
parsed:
8:04
